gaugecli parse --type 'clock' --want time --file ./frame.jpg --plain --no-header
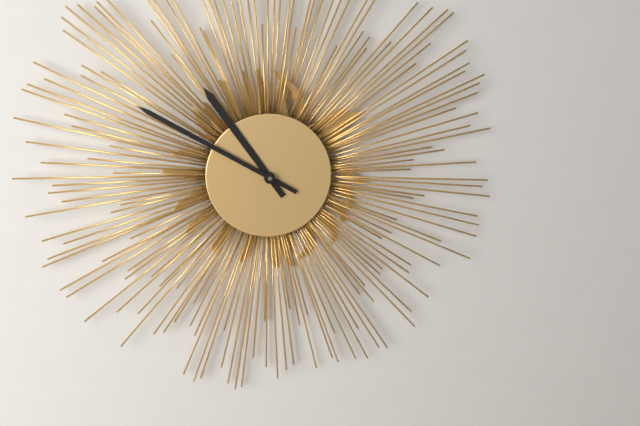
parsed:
10:50
